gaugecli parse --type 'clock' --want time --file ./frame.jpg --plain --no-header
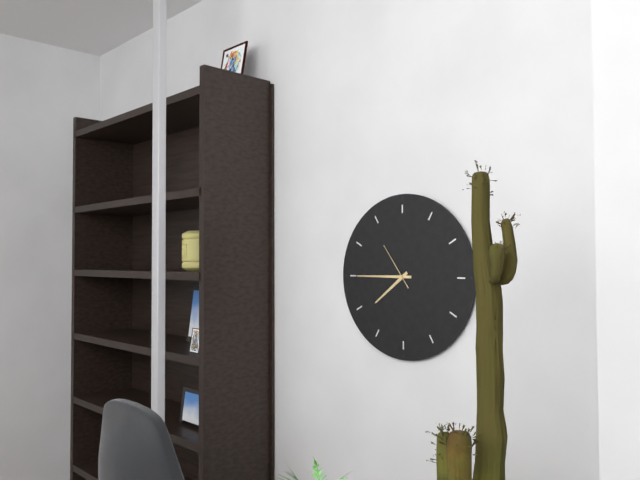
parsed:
7:45
